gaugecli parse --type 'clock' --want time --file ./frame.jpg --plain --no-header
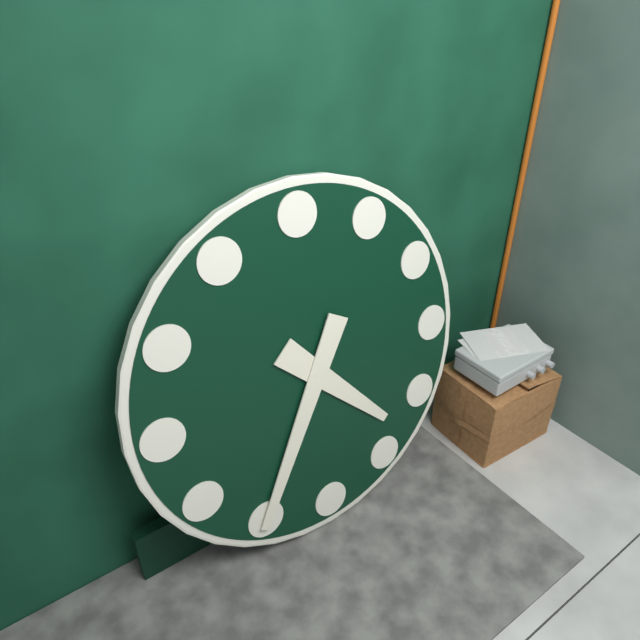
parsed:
4:35
